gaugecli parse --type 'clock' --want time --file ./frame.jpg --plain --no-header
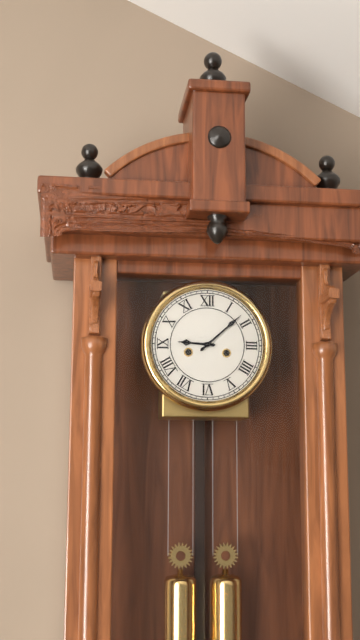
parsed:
9:08
